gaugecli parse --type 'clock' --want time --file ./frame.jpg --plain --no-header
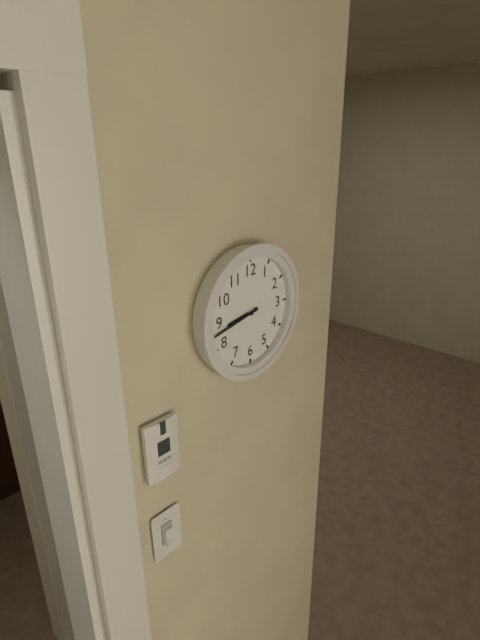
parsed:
8:43
